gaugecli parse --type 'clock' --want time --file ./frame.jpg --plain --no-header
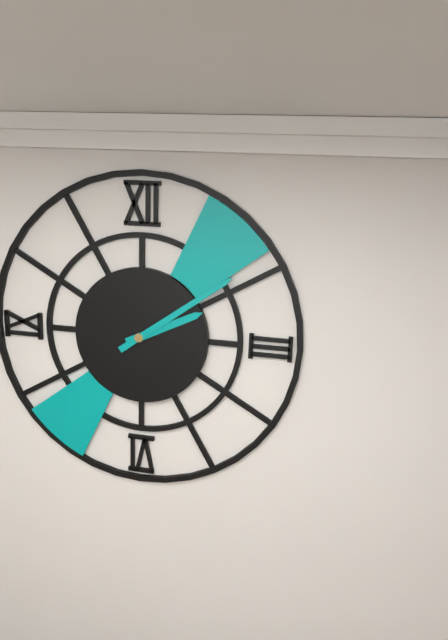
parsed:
2:09
